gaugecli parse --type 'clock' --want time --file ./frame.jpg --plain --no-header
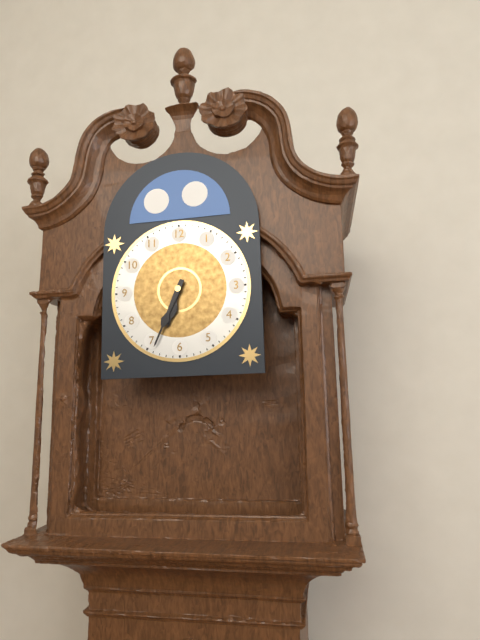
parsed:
6:34
